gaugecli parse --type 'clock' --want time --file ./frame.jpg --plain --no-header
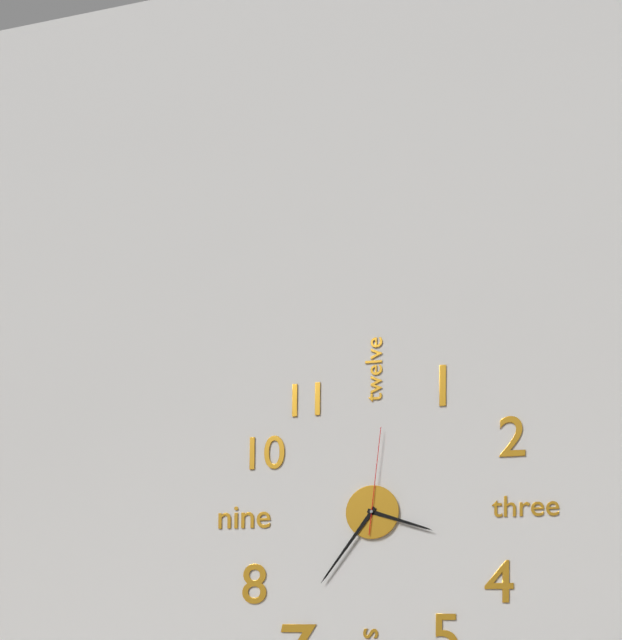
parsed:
3:36:01
